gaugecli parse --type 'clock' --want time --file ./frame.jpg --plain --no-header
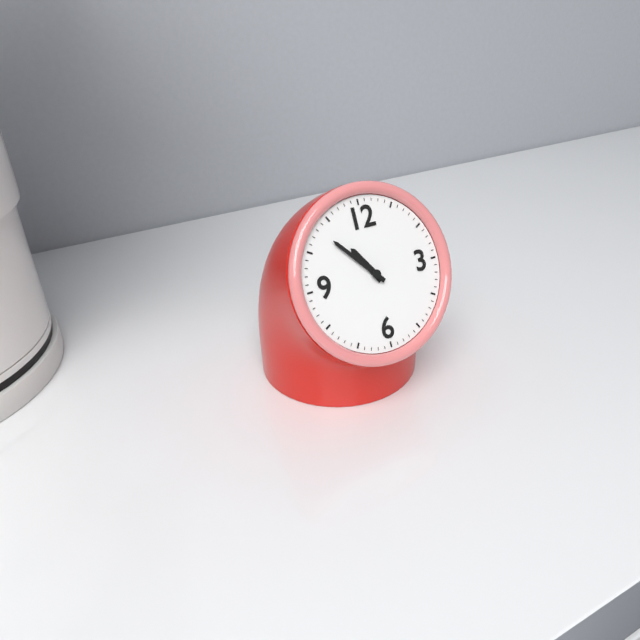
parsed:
10:53
